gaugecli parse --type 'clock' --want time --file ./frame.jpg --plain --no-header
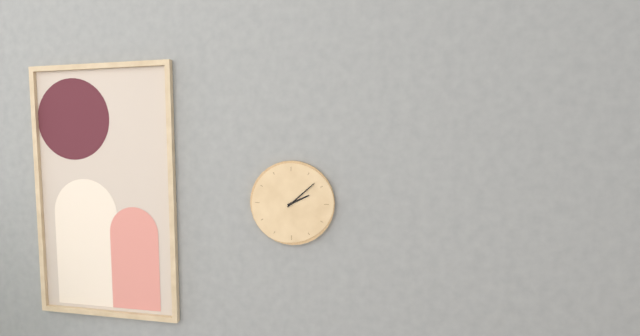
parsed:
2:08
